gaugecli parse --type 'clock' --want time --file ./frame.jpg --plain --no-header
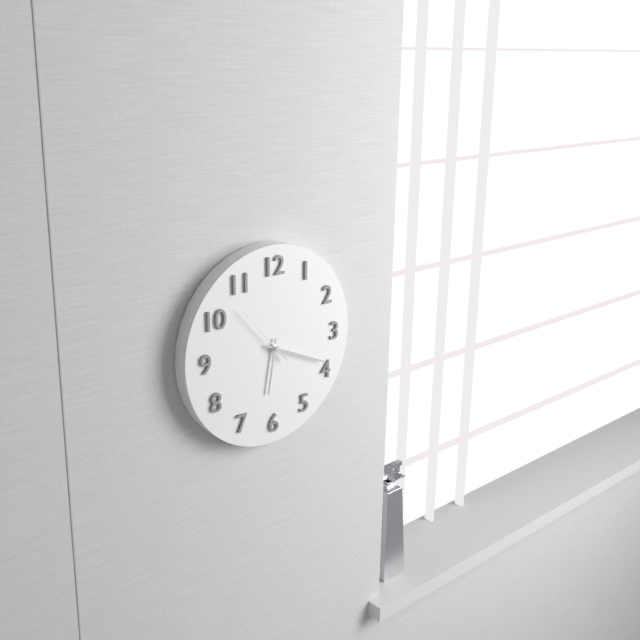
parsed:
6:19:53
